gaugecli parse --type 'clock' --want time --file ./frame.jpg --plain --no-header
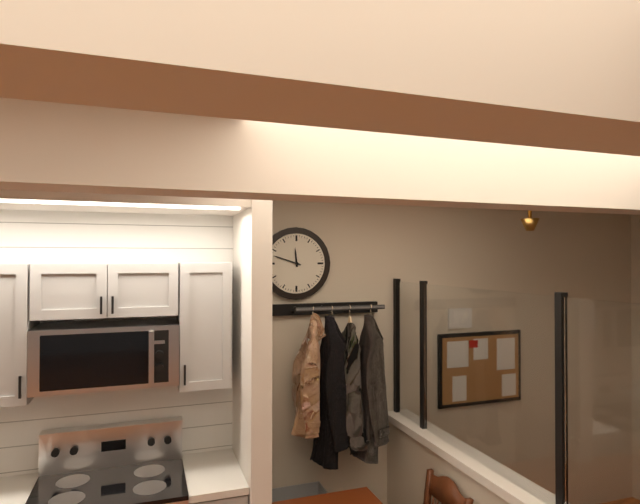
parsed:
11:48
